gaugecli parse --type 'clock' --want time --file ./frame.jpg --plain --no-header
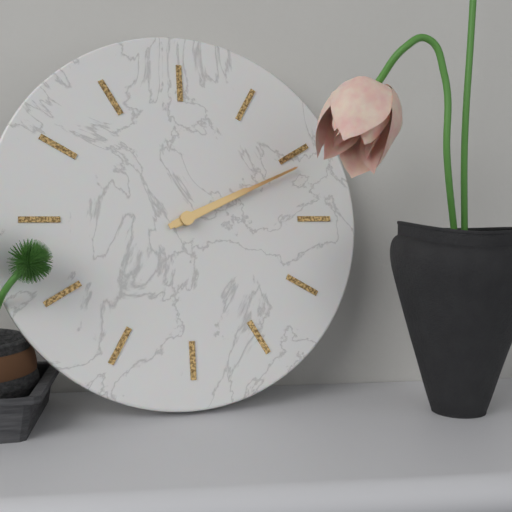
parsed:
2:11
